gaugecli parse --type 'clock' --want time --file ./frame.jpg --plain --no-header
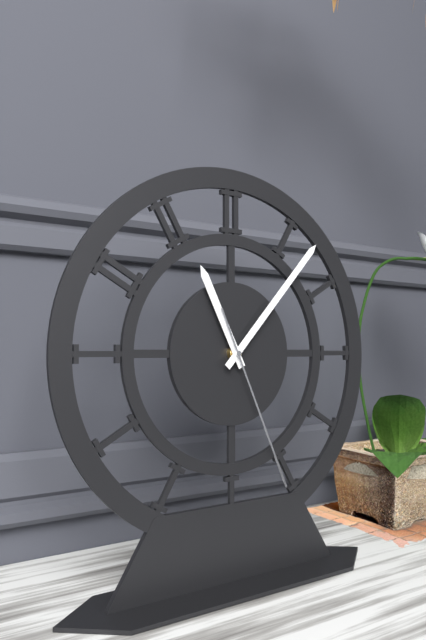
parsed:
11:07:26
